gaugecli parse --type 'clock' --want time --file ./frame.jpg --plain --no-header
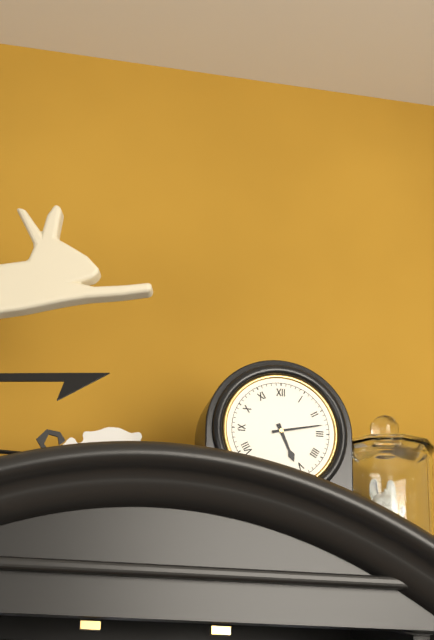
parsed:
5:13
